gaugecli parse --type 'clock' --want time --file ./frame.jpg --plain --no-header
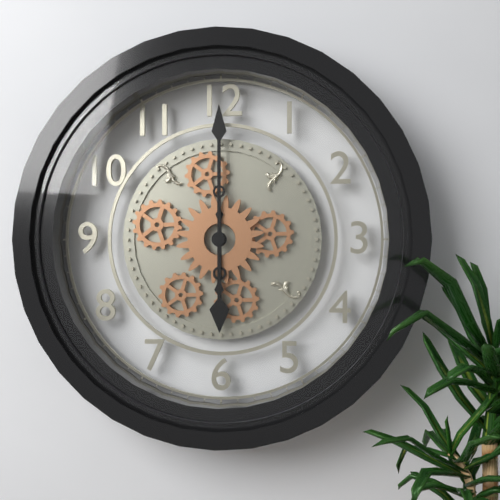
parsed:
6:00
